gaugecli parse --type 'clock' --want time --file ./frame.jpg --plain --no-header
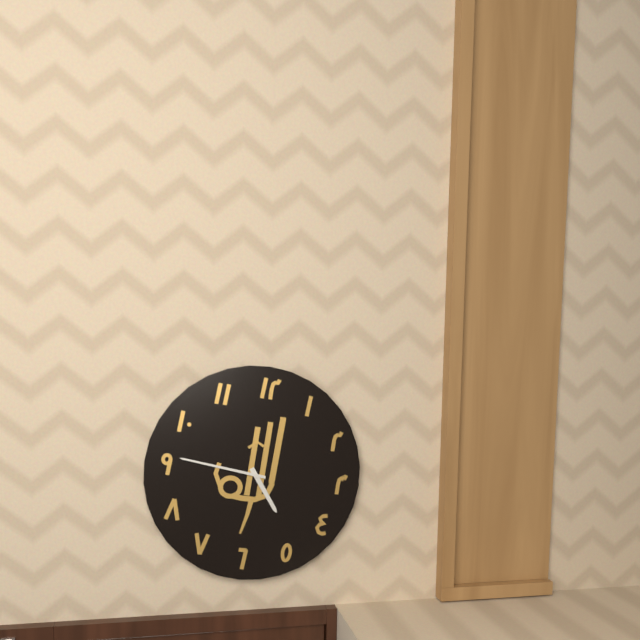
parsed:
4:46
